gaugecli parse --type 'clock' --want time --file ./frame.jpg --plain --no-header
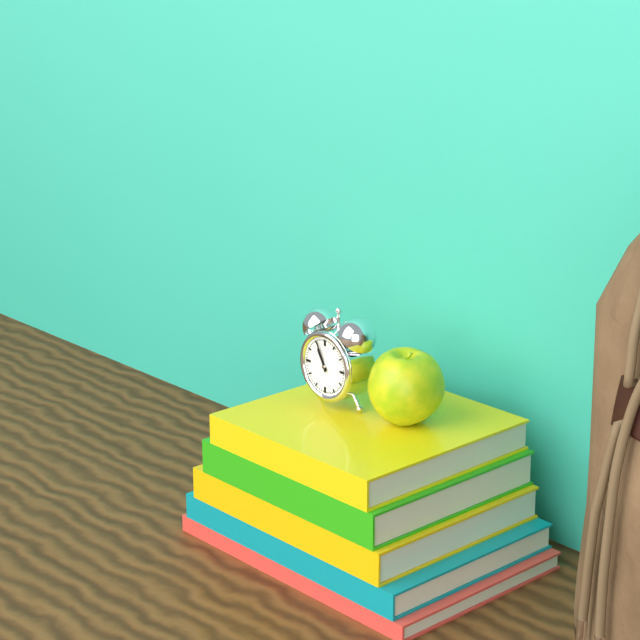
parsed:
10:56
